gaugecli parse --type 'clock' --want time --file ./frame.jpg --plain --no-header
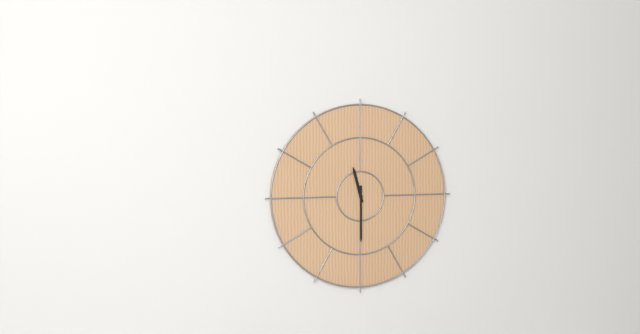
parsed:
11:30
